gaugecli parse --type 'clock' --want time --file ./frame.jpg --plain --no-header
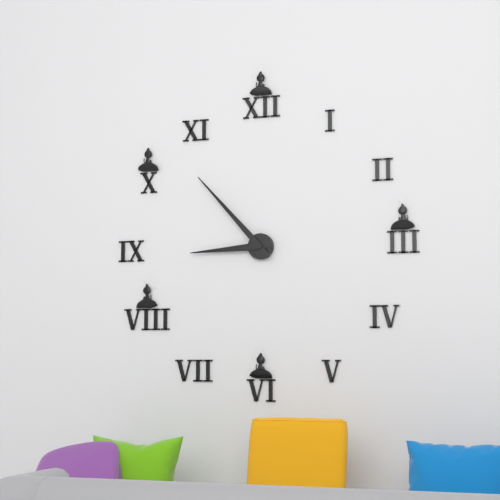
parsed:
8:53
